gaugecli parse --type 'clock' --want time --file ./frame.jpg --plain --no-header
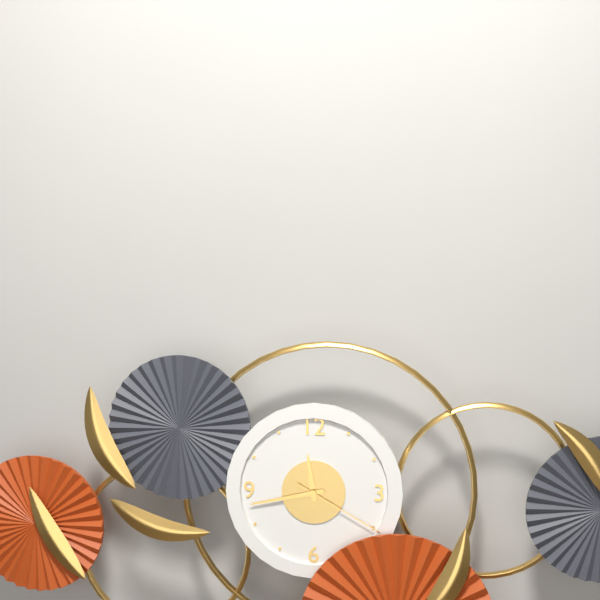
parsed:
11:43:20
